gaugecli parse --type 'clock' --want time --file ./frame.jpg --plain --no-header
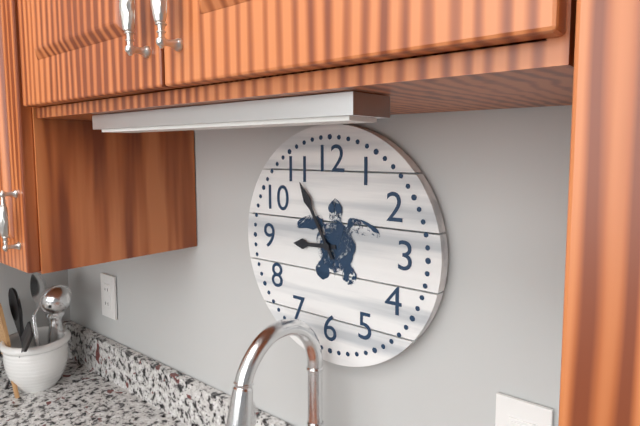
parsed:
8:55
